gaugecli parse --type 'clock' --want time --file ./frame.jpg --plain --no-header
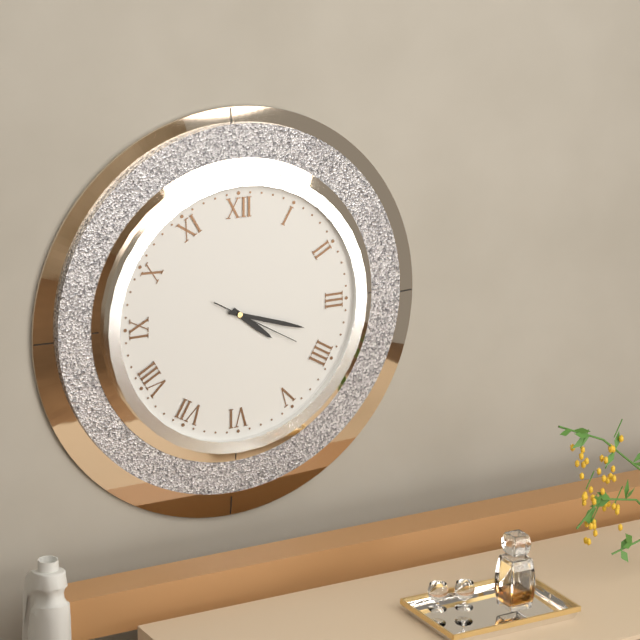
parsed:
4:18:20
